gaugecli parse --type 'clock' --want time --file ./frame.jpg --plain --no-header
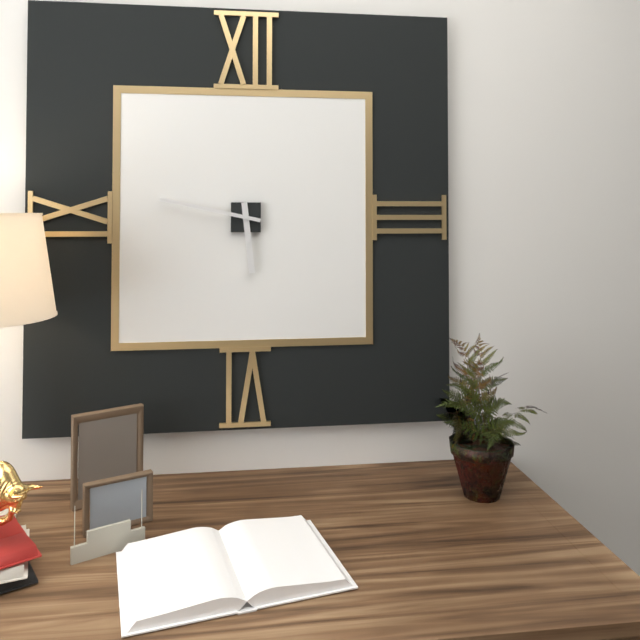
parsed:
5:47
